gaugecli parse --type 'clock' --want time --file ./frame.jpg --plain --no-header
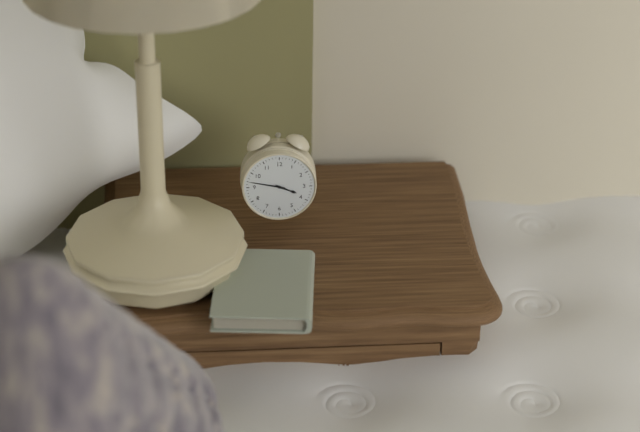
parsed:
3:47
